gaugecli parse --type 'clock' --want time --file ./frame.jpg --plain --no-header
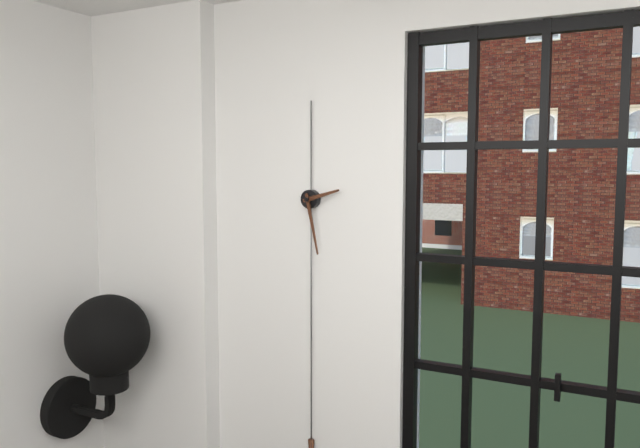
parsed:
2:28
